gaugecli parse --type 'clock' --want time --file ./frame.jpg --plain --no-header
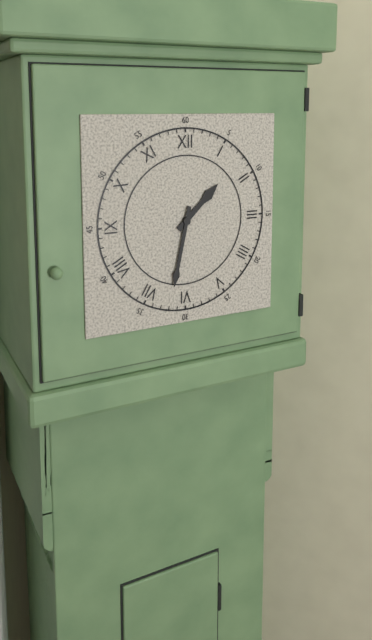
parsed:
1:32
